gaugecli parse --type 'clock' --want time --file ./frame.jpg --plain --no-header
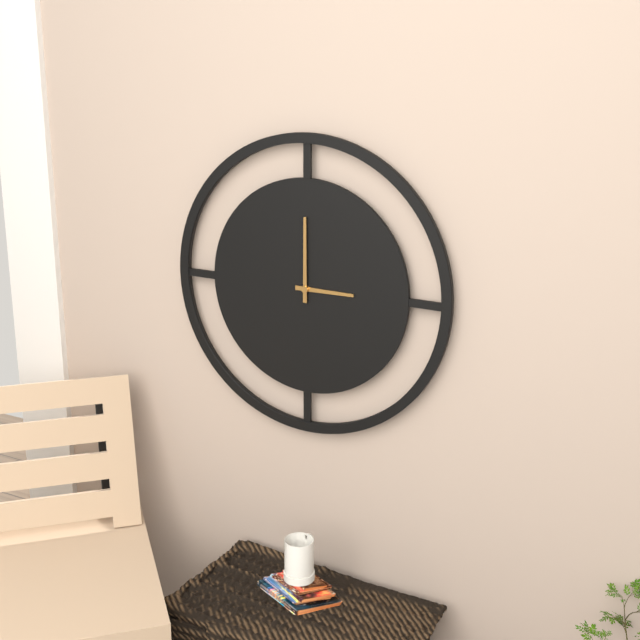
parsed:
3:00
